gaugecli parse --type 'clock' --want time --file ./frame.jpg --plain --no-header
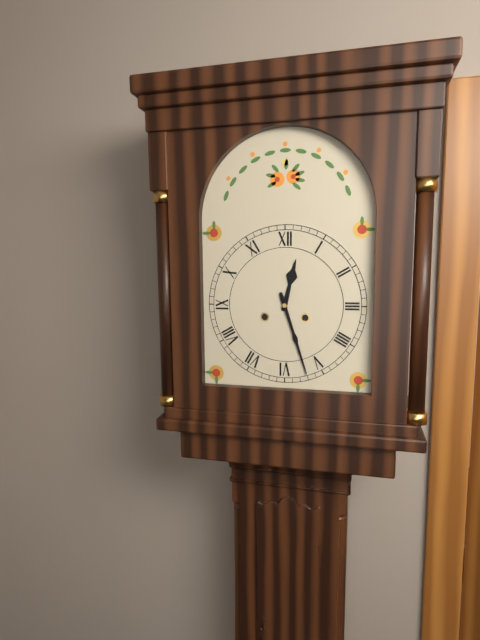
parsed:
12:27
